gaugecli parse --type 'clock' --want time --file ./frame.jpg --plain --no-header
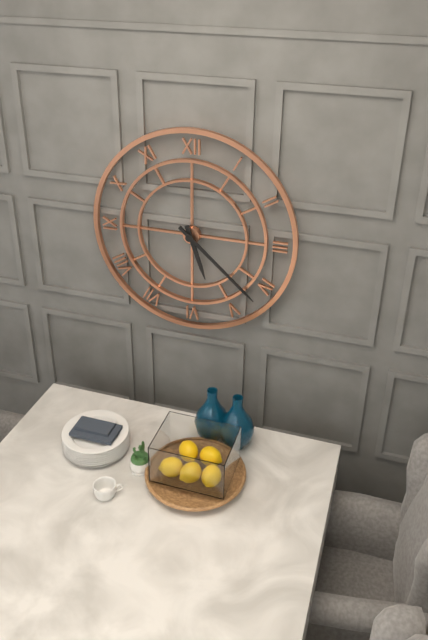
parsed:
5:22
